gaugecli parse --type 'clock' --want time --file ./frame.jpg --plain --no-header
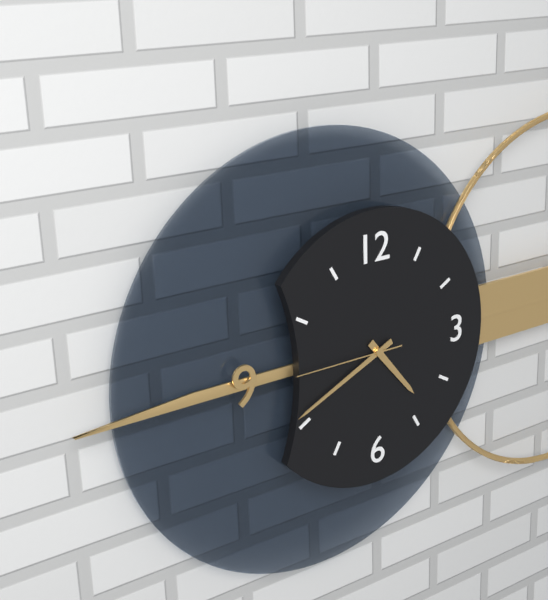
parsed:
4:41:45
